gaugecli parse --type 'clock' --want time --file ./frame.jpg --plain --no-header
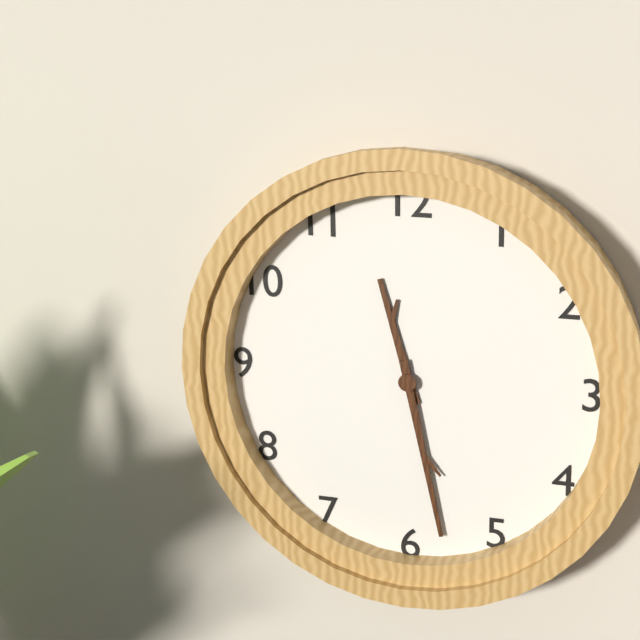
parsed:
11:28
